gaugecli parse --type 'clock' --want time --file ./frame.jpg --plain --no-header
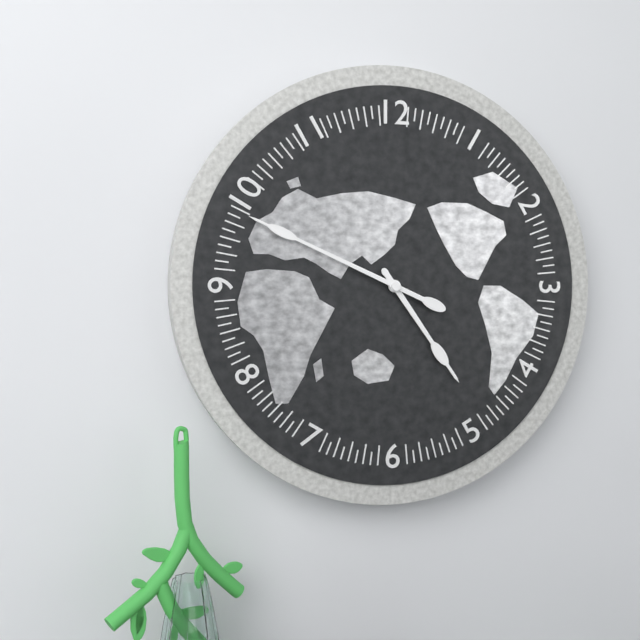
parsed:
4:49
